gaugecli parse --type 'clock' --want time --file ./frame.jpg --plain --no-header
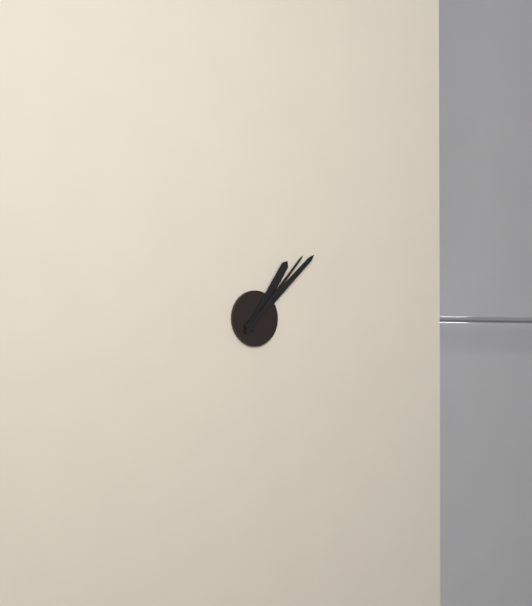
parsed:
1:08:07
